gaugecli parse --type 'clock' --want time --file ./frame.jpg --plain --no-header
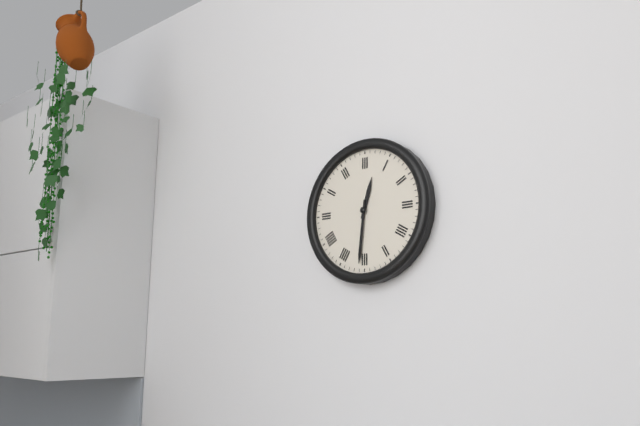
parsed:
12:31
